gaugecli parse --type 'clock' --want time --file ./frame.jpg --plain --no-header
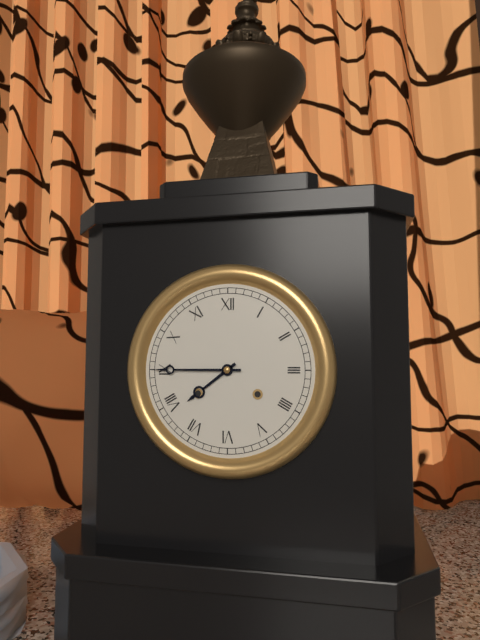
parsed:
7:45
